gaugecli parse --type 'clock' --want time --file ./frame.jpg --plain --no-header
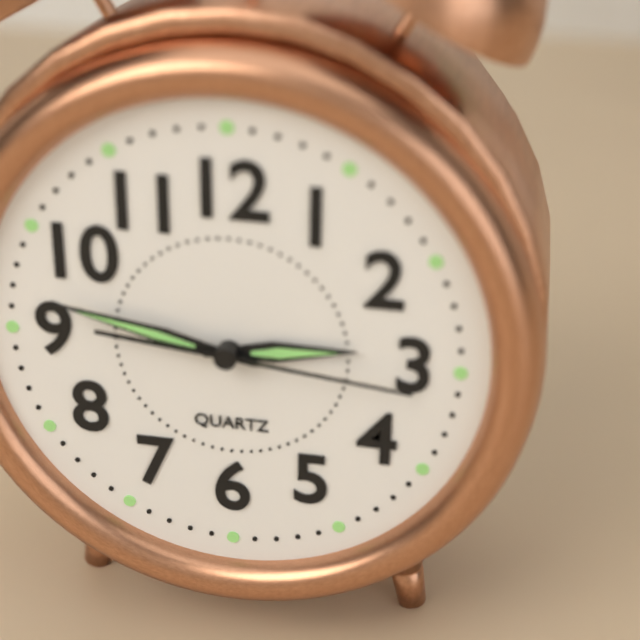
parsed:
2:47:16
